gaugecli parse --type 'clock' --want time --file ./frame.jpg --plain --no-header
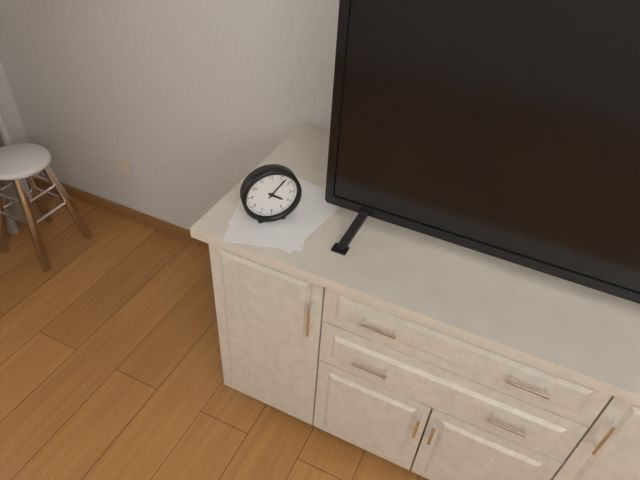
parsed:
4:07
